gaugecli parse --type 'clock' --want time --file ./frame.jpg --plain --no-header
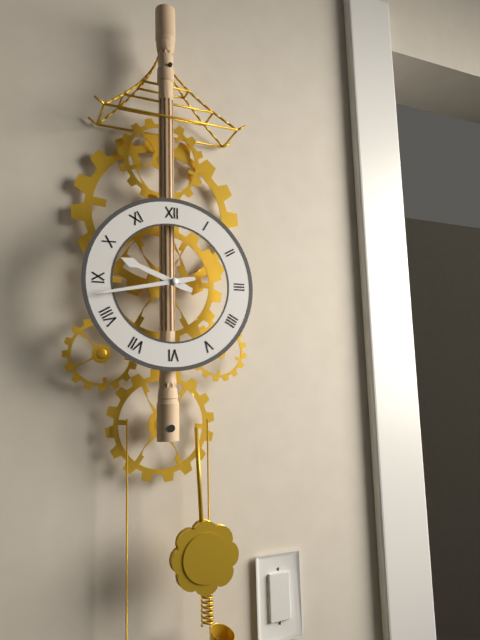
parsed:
9:43
